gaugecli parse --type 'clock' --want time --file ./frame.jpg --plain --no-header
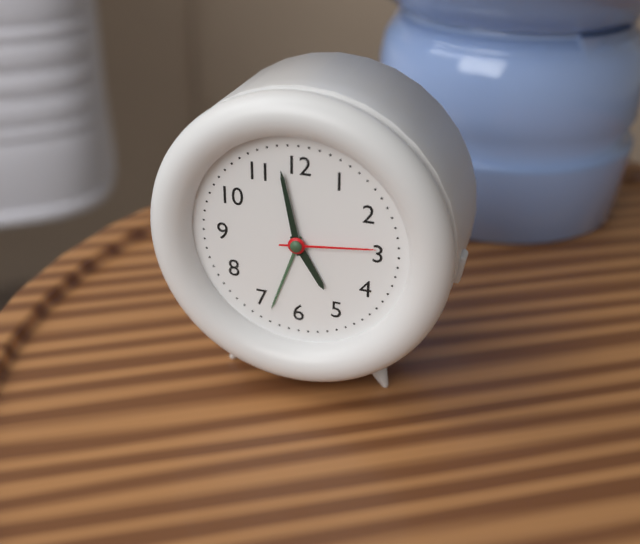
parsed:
4:58:14
